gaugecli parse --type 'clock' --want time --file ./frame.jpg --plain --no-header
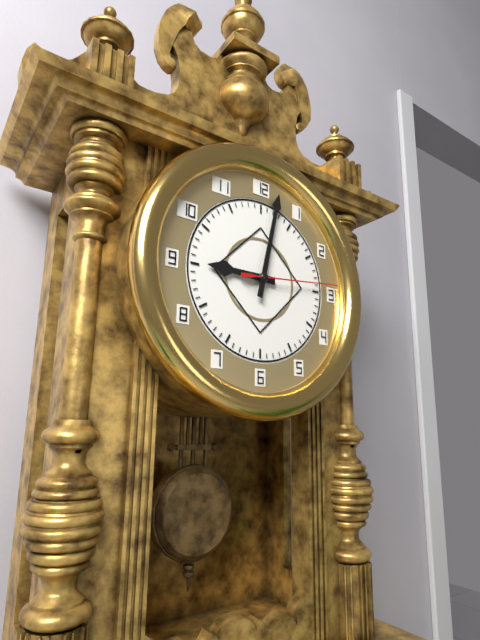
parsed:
9:02:14
